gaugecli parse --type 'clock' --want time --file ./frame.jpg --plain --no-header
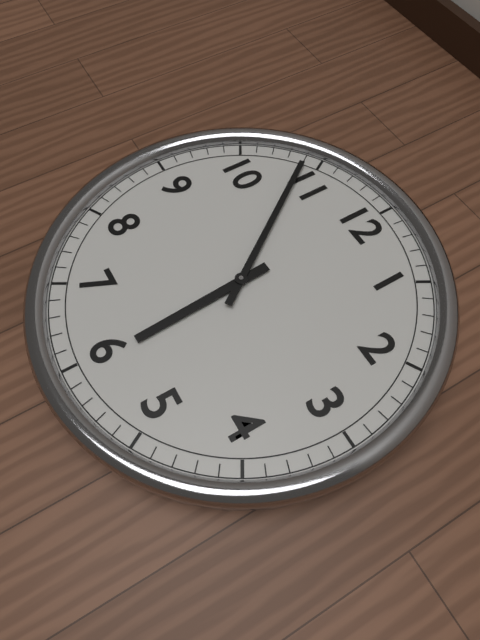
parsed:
5:54
